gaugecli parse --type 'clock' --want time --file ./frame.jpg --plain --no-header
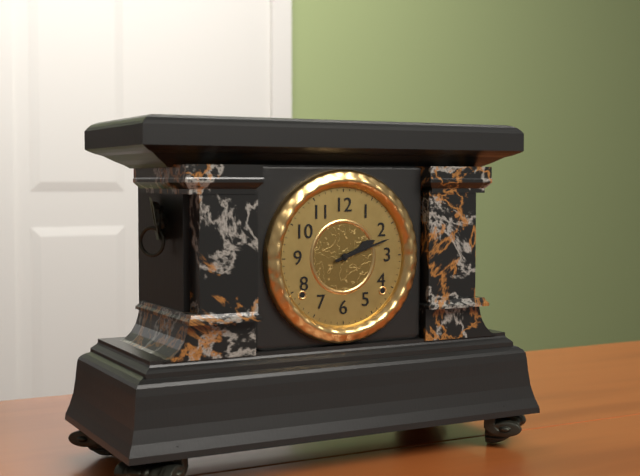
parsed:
2:12
